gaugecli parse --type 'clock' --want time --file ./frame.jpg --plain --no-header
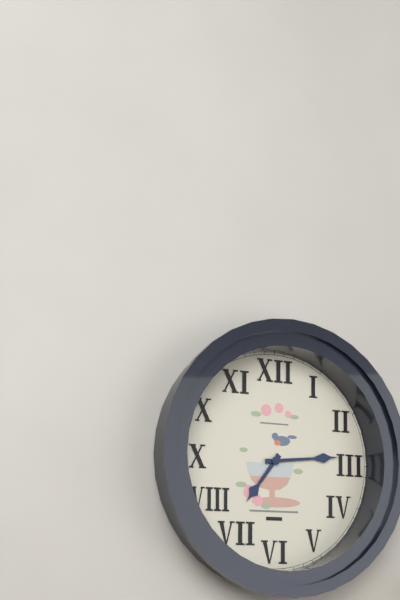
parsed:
7:14
